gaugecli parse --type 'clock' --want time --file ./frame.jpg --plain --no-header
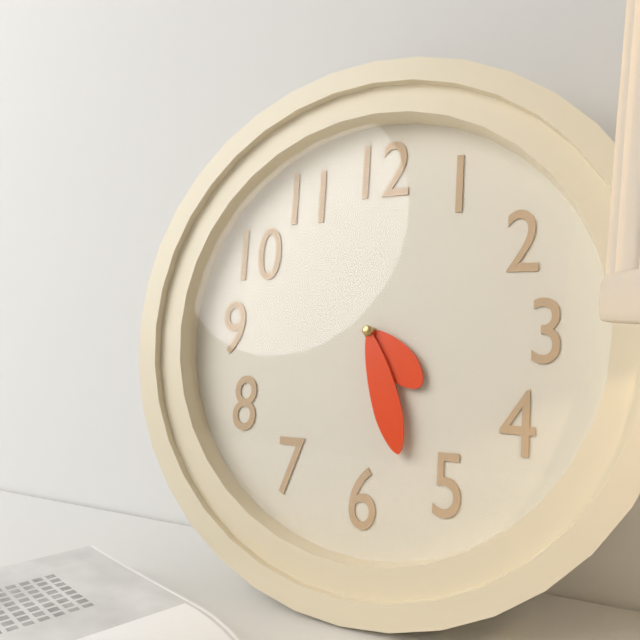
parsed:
4:27
